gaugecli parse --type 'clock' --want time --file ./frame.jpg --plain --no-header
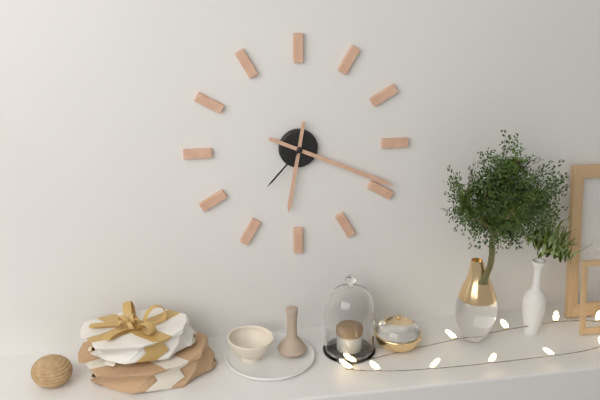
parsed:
6:19:37
